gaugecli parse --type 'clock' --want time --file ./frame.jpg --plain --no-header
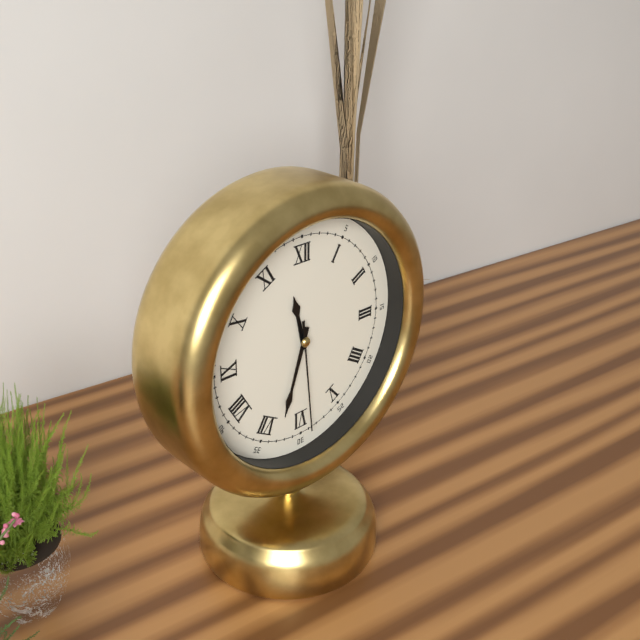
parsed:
11:33:29
